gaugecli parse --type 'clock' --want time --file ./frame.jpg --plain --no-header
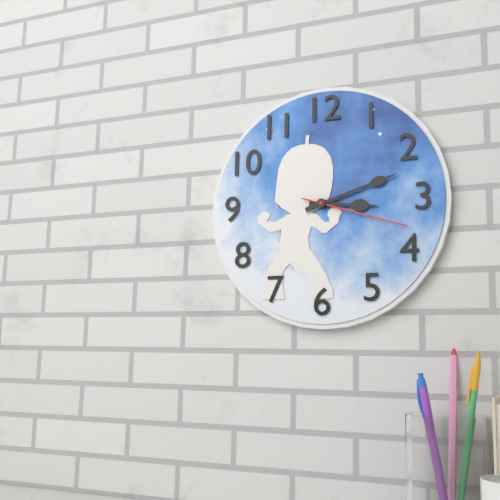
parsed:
3:12:18
